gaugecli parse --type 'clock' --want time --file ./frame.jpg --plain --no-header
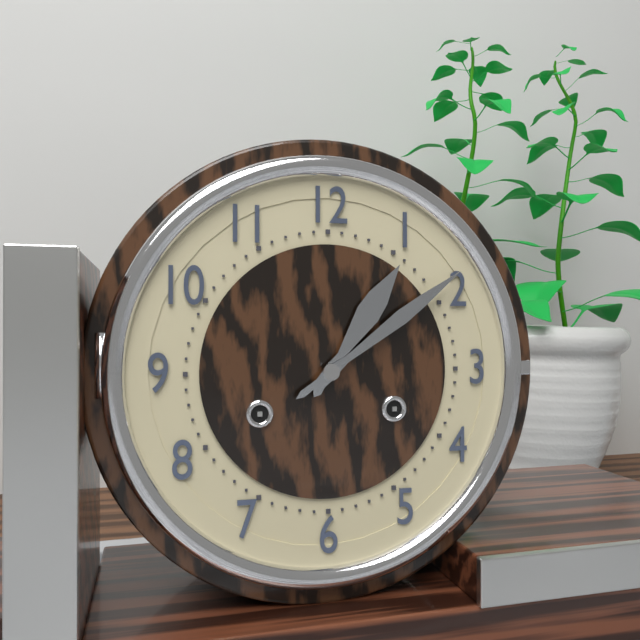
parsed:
1:09
